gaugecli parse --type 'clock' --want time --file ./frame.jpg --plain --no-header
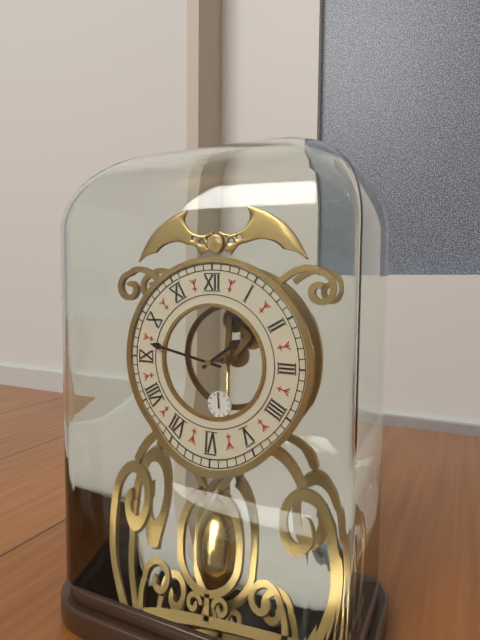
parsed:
1:47
